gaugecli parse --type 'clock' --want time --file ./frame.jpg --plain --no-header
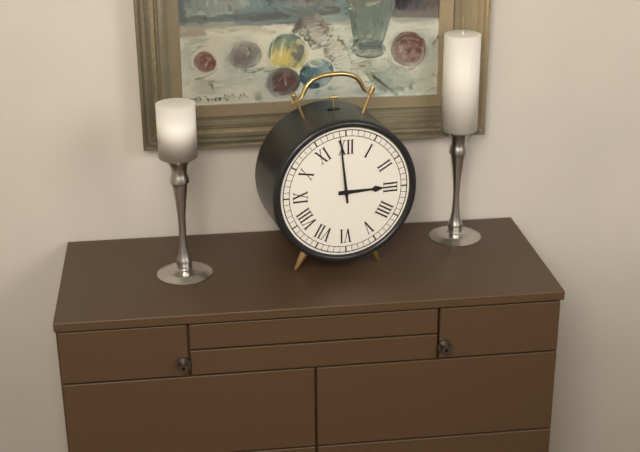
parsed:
2:59
